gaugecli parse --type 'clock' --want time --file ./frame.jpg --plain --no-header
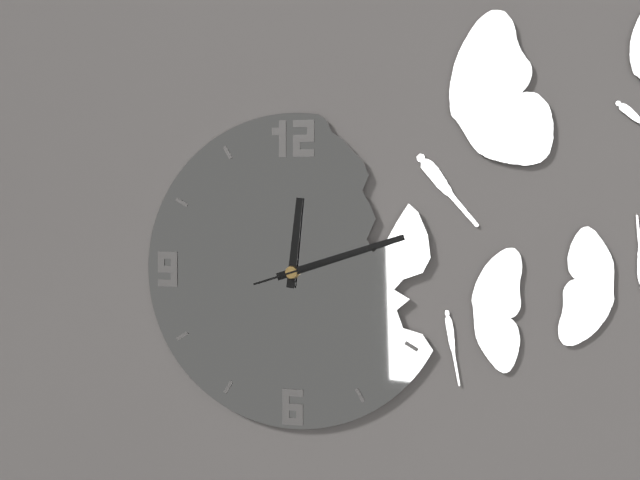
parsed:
12:12:12
